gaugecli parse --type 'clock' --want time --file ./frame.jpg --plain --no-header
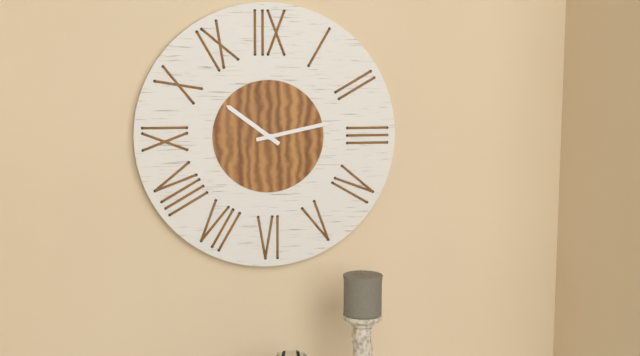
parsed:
10:13
